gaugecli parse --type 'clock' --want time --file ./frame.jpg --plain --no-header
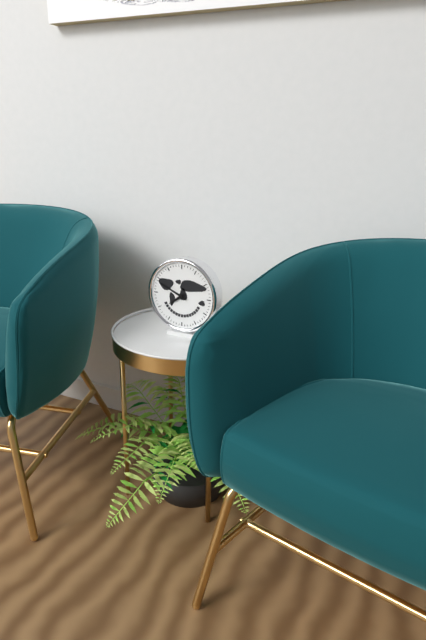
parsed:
7:49
